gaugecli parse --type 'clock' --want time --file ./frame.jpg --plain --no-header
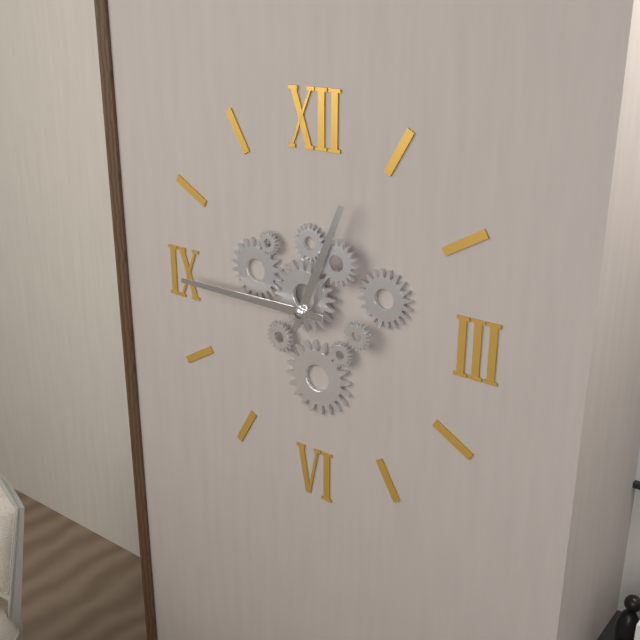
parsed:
12:45
